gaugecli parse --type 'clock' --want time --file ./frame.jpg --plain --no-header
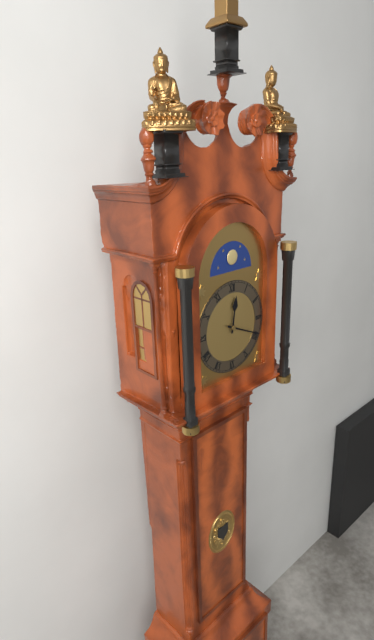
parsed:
12:19
